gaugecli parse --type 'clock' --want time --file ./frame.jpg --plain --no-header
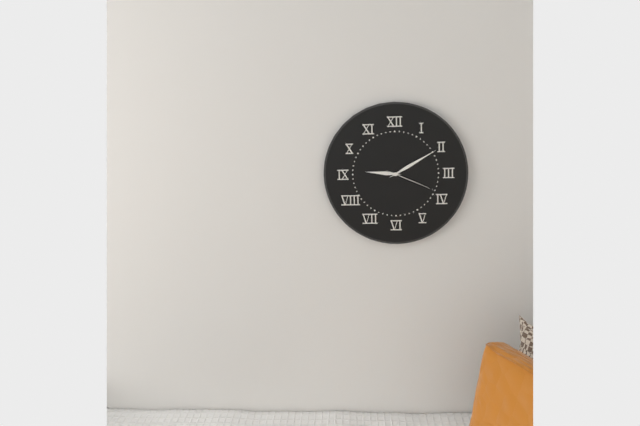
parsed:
9:10:19
